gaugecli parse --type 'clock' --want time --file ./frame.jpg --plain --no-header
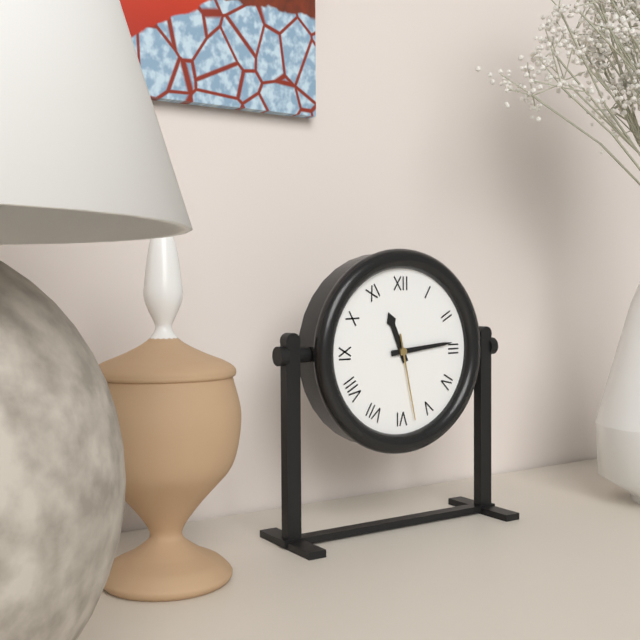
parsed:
11:14:28
